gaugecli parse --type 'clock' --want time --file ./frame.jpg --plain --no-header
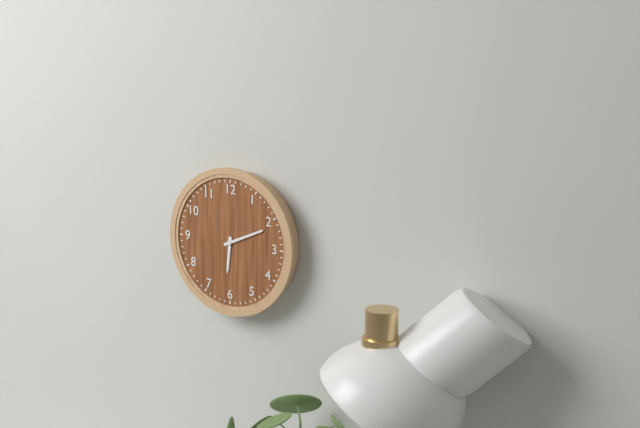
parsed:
6:11
